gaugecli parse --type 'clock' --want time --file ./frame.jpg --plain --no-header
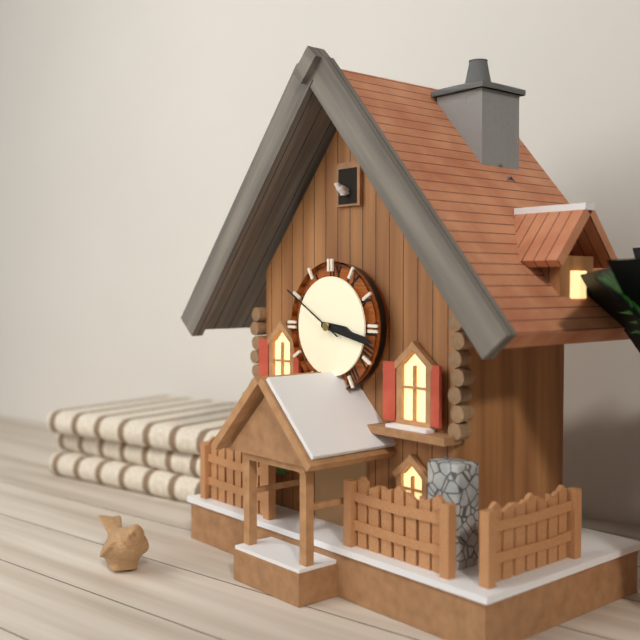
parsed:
3:17:50
